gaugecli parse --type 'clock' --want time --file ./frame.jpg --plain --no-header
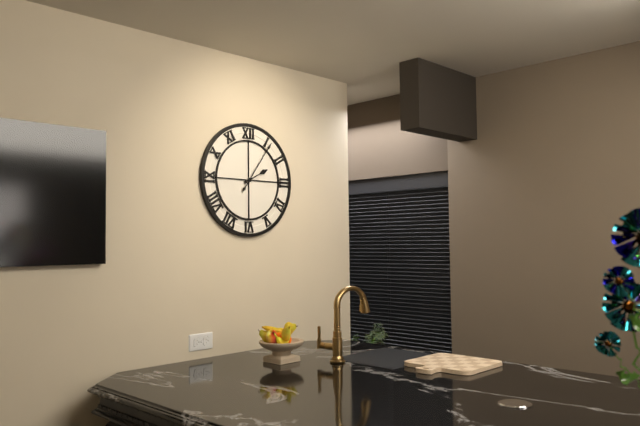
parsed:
2:06
